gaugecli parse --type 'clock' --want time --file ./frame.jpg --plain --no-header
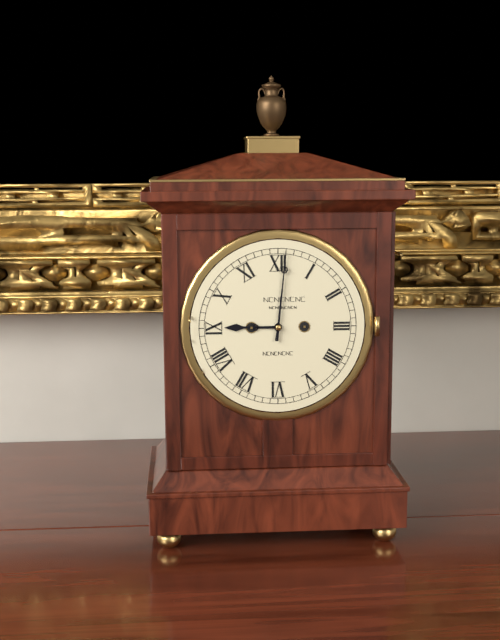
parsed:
9:01
